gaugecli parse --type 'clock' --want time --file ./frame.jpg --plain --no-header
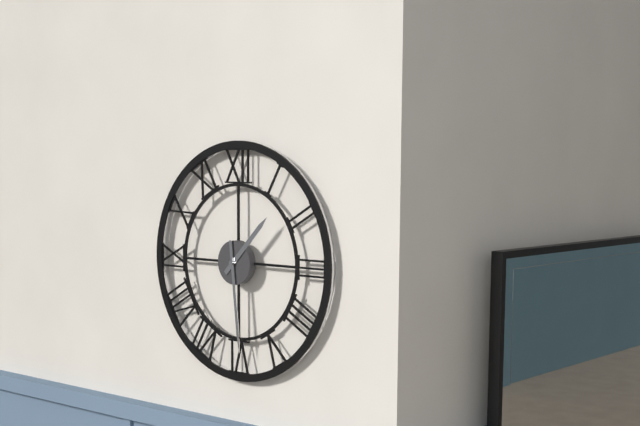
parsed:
1:29
